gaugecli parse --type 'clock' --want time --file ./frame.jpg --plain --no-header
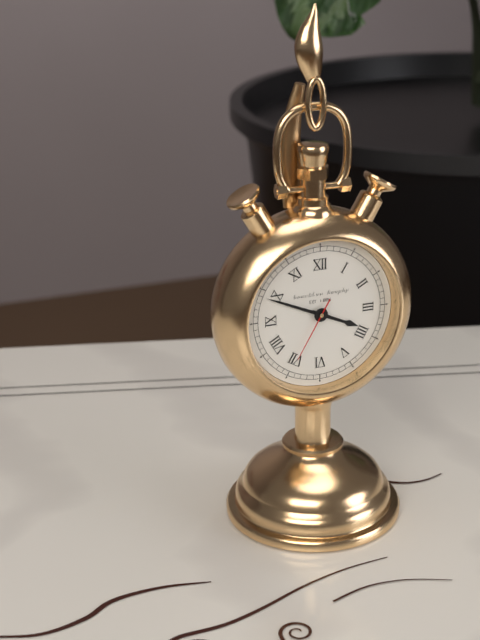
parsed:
3:49:35
